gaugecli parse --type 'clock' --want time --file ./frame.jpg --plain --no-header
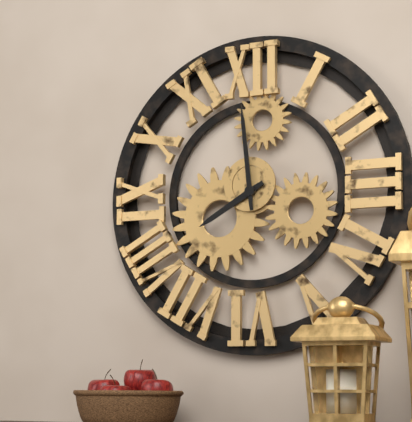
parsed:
7:59
